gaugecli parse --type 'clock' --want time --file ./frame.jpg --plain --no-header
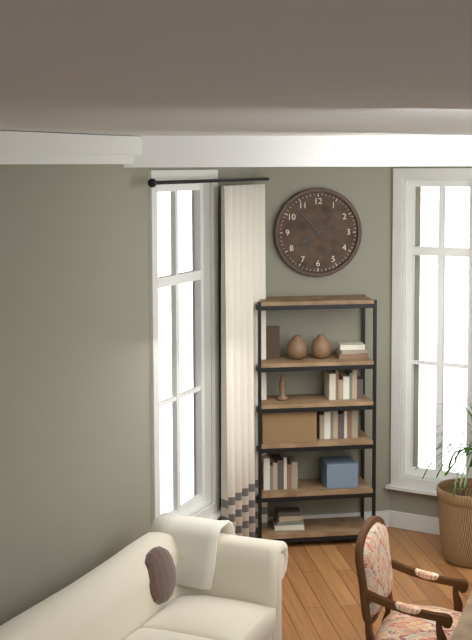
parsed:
7:53
